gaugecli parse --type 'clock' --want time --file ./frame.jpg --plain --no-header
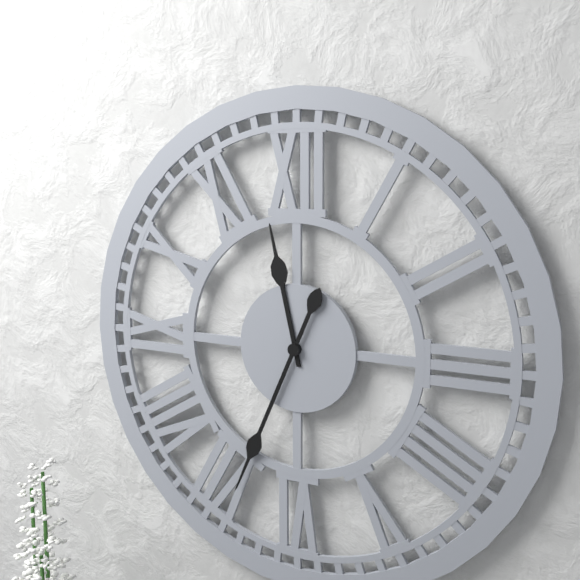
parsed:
11:34
